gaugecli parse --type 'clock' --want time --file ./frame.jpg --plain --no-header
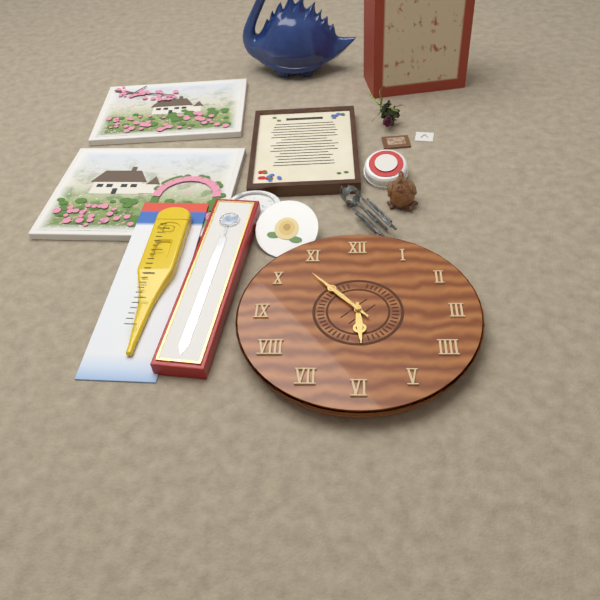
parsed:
5:53
